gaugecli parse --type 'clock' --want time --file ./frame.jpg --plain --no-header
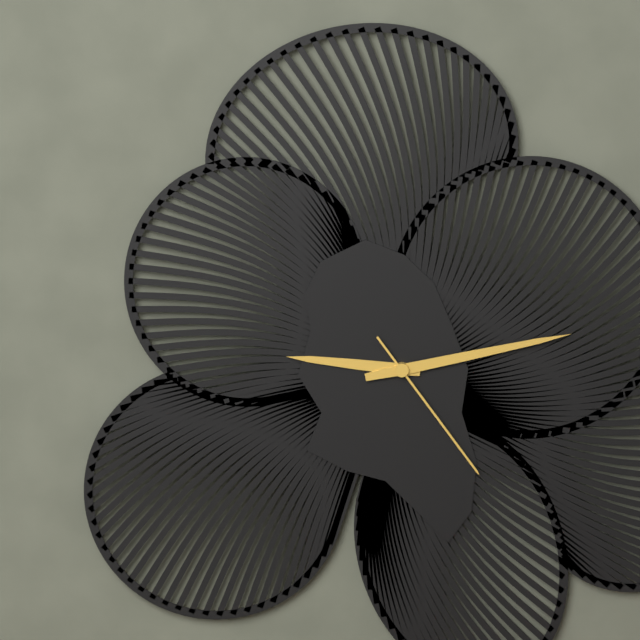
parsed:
9:13:24
